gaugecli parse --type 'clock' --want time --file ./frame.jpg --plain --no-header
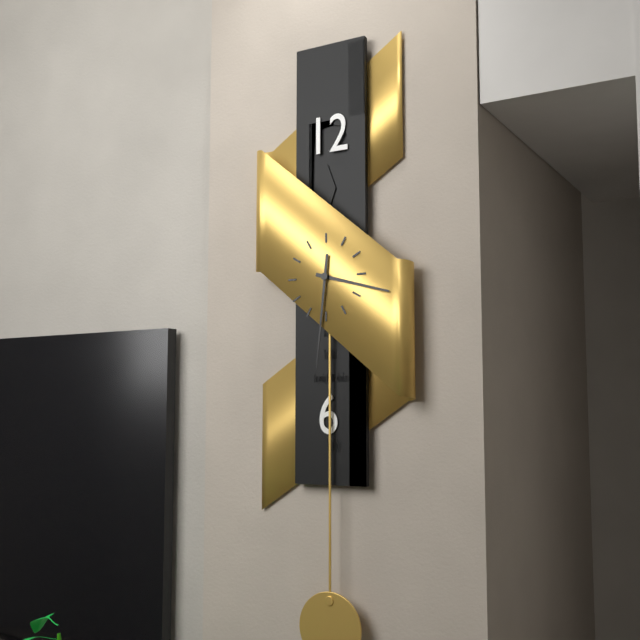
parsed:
3:31
